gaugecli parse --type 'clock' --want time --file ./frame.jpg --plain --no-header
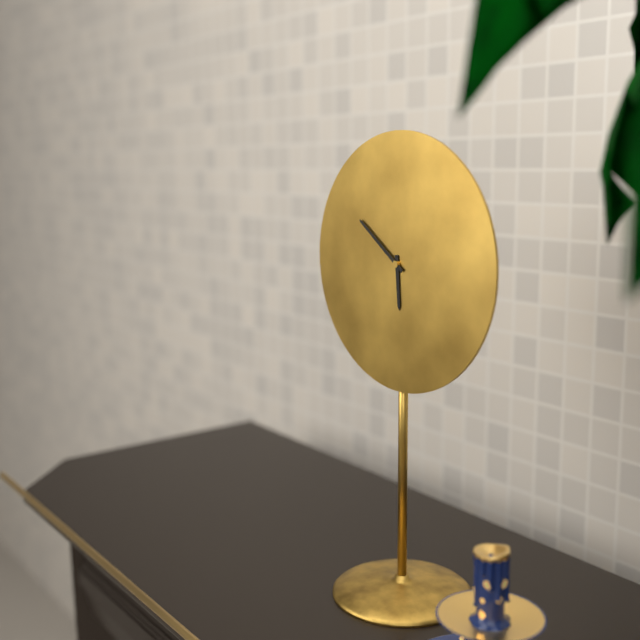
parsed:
5:51
